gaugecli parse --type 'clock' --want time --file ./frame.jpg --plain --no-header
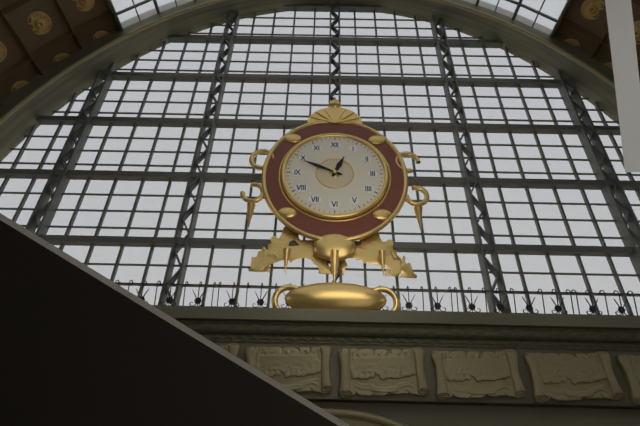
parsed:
12:49
